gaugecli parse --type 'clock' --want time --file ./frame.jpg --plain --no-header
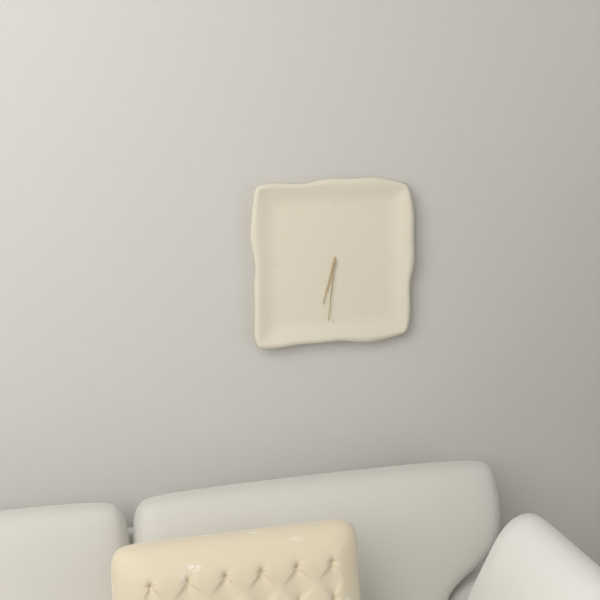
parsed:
6:31
